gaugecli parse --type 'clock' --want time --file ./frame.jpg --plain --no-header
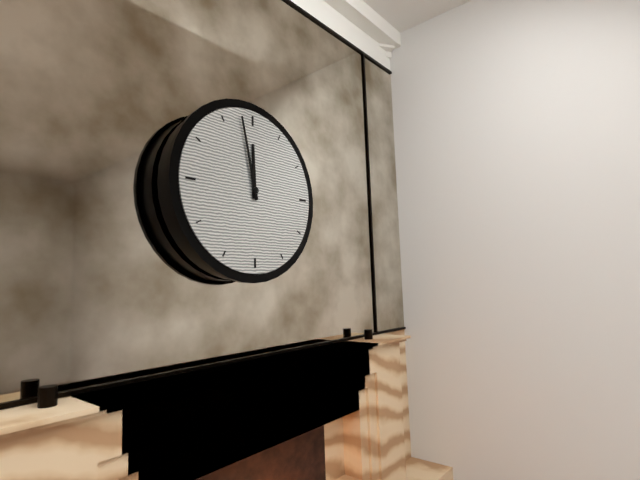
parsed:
11:58
